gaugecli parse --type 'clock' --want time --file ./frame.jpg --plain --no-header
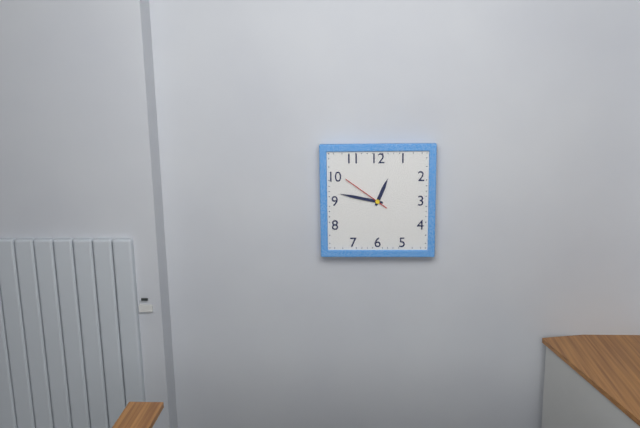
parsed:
12:47:51
